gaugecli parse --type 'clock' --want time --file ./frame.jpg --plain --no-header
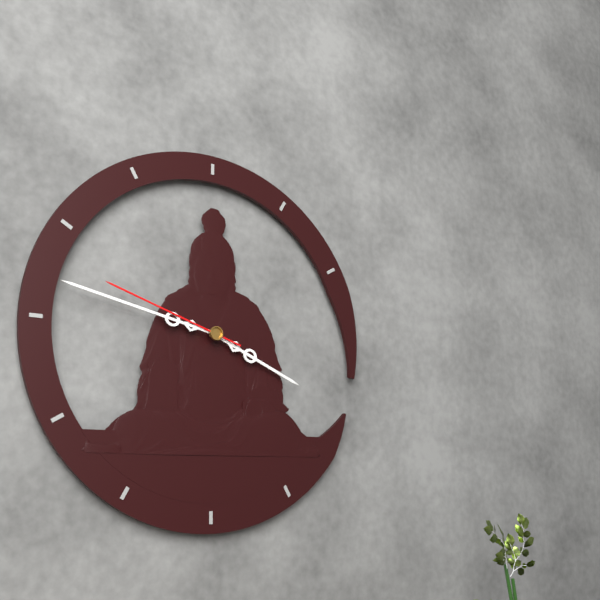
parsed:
3:47:48
